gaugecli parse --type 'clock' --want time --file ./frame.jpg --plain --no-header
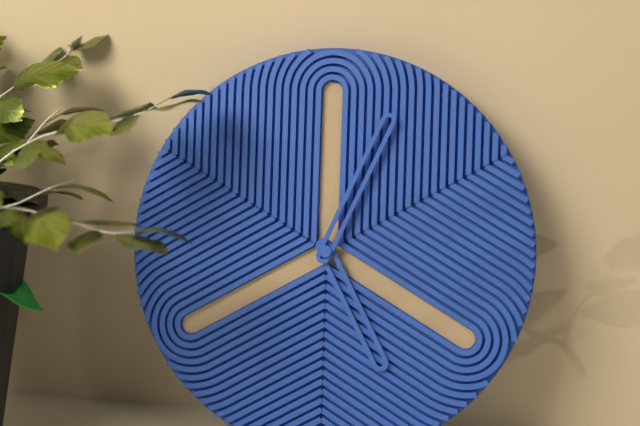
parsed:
5:04
